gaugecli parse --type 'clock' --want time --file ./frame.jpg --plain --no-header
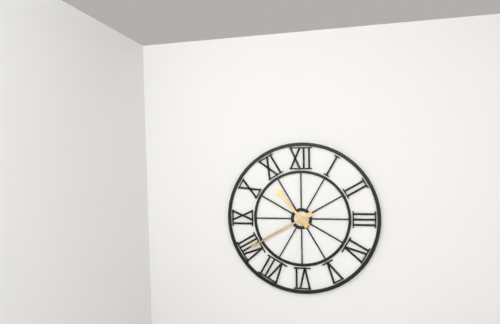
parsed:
10:40
